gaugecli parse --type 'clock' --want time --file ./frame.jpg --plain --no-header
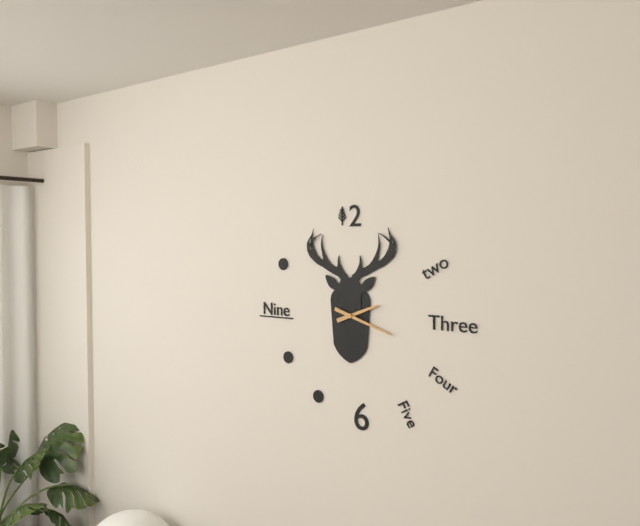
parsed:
2:18
